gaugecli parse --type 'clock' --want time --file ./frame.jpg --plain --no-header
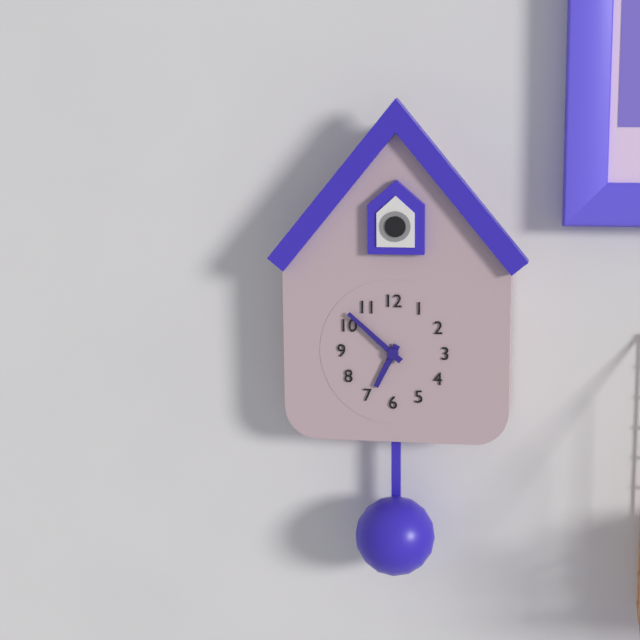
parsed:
6:52
